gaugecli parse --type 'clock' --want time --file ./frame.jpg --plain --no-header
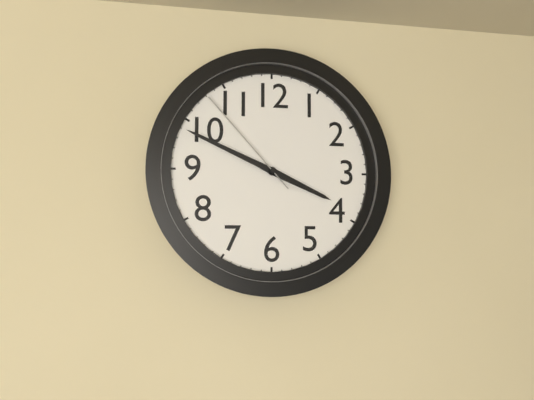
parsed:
3:49:53
